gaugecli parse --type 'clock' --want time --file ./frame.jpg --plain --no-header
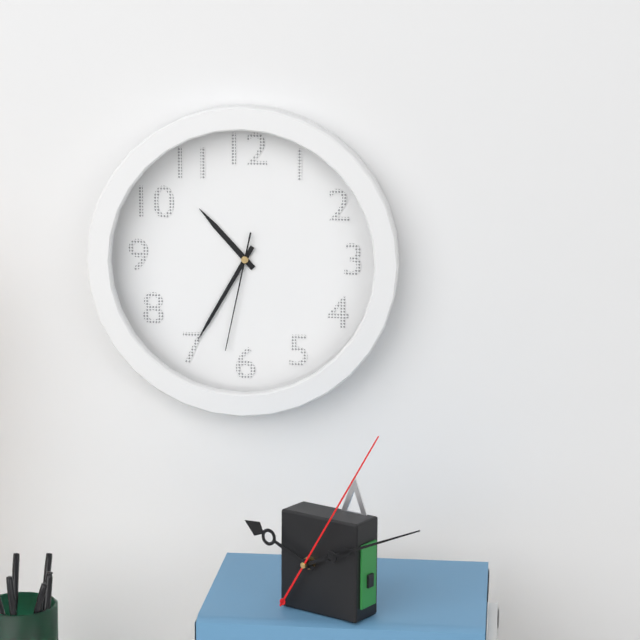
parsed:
10:35:32
